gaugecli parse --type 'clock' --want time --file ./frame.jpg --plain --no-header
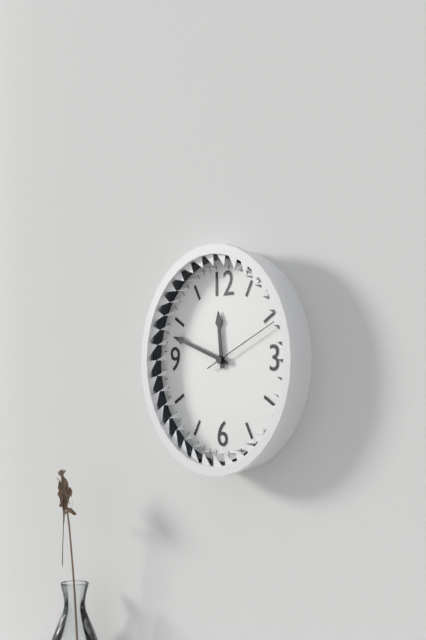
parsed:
11:48:11
